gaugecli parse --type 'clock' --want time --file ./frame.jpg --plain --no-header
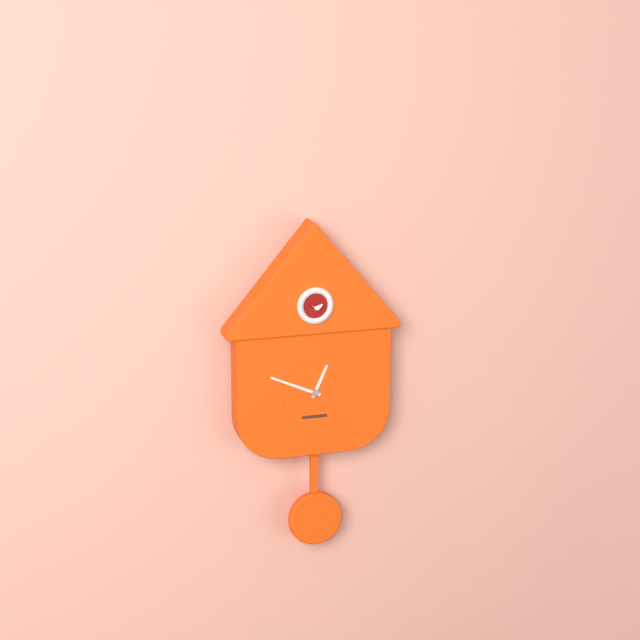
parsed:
12:49
